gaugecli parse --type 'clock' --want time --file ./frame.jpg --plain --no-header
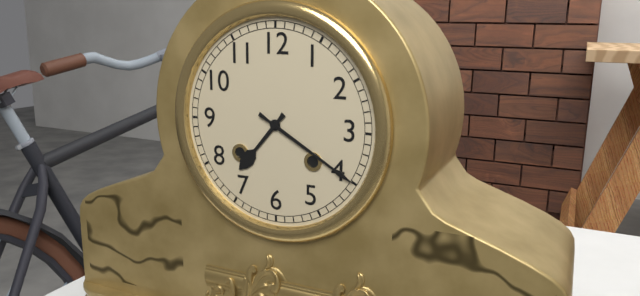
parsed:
7:20
